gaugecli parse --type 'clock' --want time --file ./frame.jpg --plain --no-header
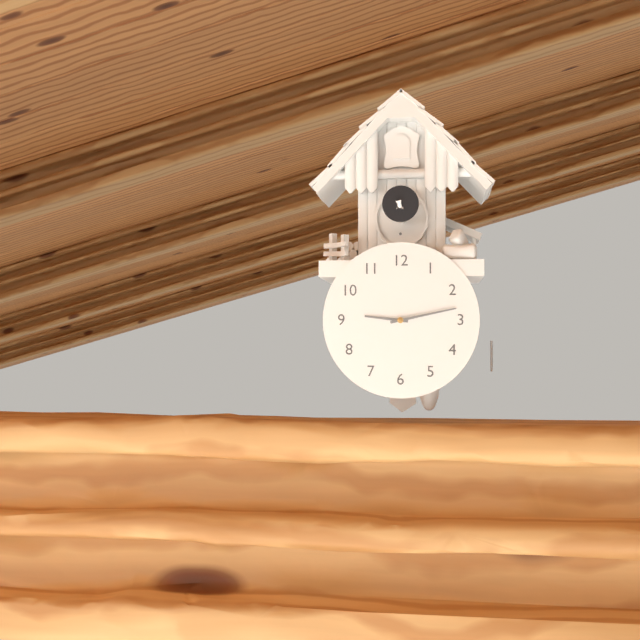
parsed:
9:13
